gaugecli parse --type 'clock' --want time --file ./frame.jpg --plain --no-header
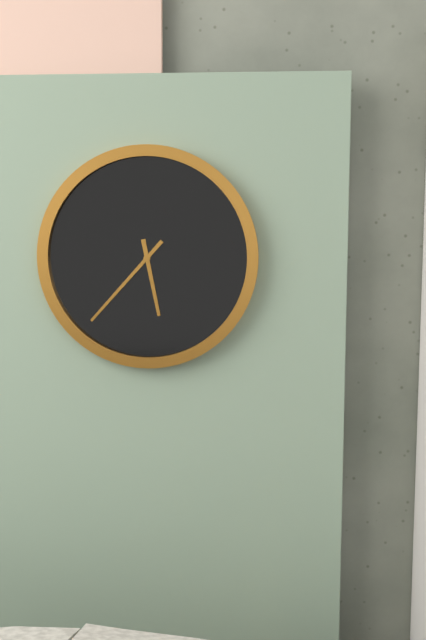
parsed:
5:37
